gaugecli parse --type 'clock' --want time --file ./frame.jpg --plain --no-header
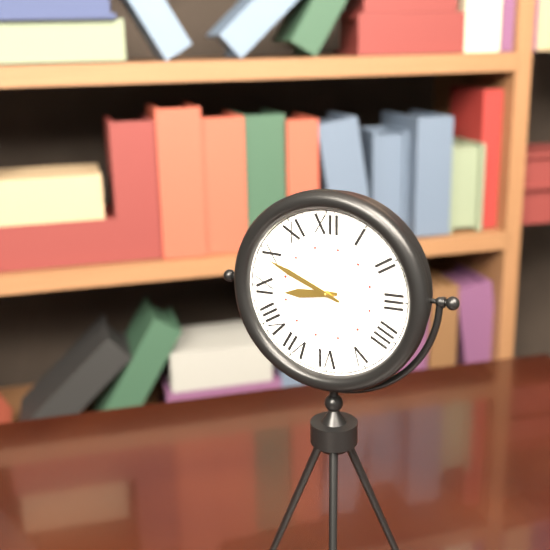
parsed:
8:49
